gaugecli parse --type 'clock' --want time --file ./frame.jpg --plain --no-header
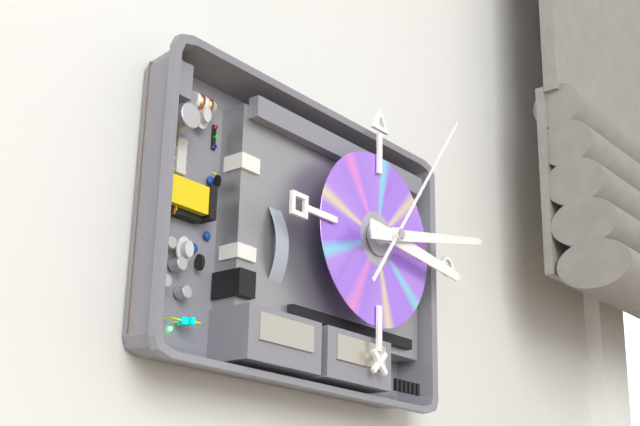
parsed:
3:13:06
